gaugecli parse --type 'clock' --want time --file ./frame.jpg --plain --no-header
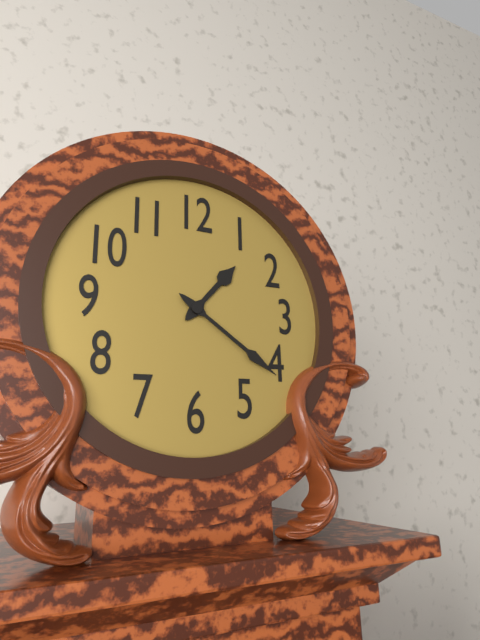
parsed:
1:21
